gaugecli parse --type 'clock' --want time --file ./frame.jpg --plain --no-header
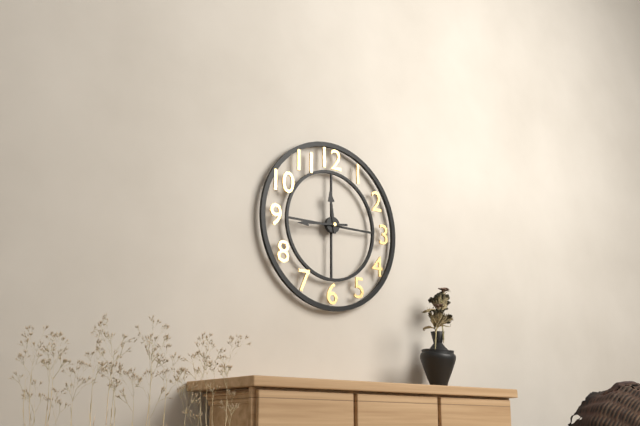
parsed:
11:44
